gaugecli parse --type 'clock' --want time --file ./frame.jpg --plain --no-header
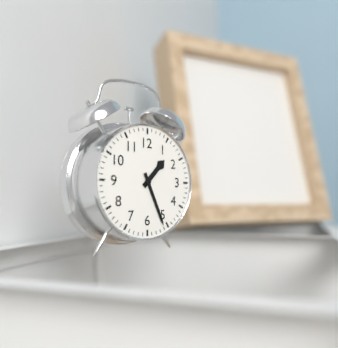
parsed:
1:26
